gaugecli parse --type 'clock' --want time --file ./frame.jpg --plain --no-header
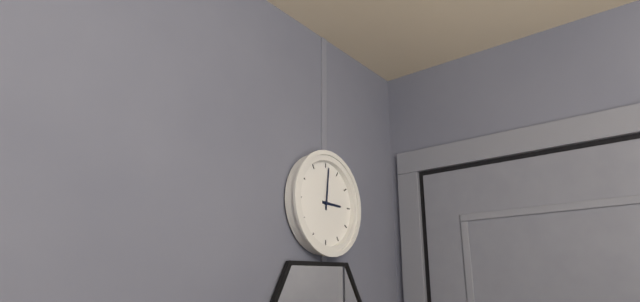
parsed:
3:01
